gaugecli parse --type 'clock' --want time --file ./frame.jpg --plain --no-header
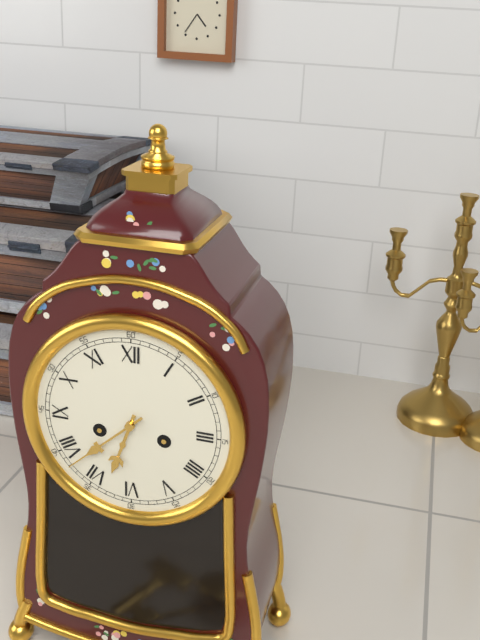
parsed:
6:38
